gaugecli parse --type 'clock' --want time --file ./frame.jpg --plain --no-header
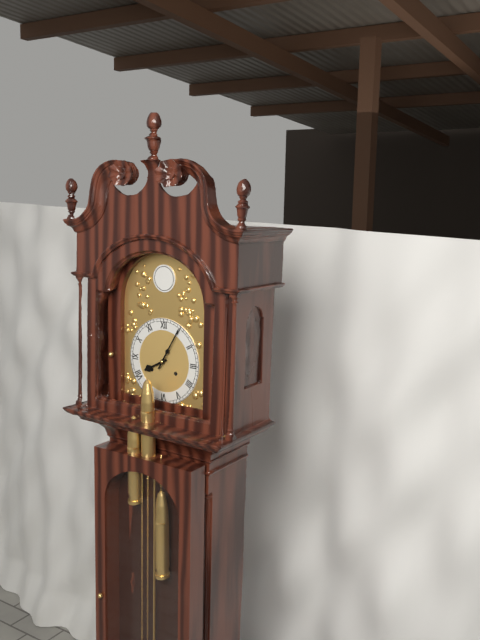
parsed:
8:05
